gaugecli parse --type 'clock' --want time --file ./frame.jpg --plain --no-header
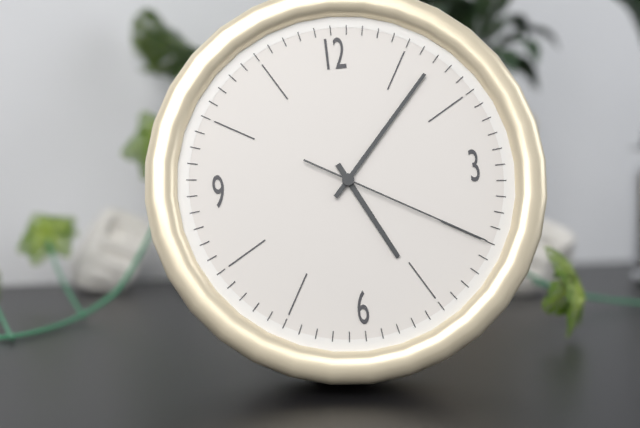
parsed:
5:07:20
